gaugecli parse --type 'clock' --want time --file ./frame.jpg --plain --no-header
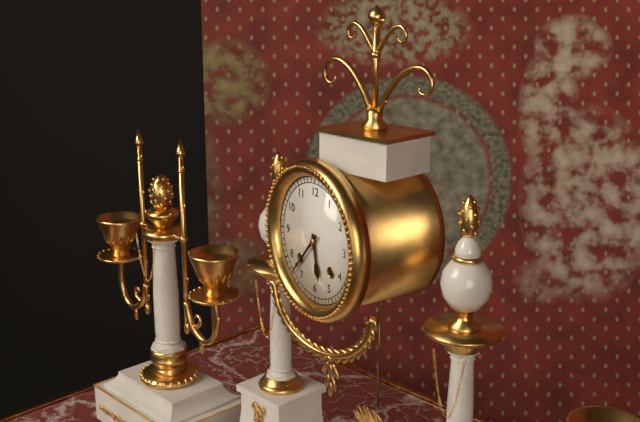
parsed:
5:37
